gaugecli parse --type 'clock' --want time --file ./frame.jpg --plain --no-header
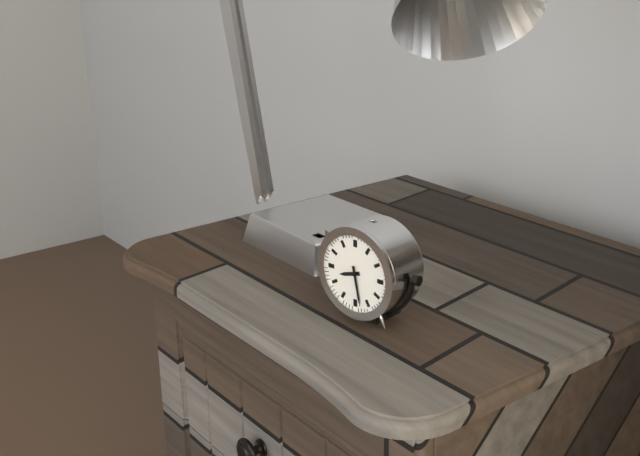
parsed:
8:28
